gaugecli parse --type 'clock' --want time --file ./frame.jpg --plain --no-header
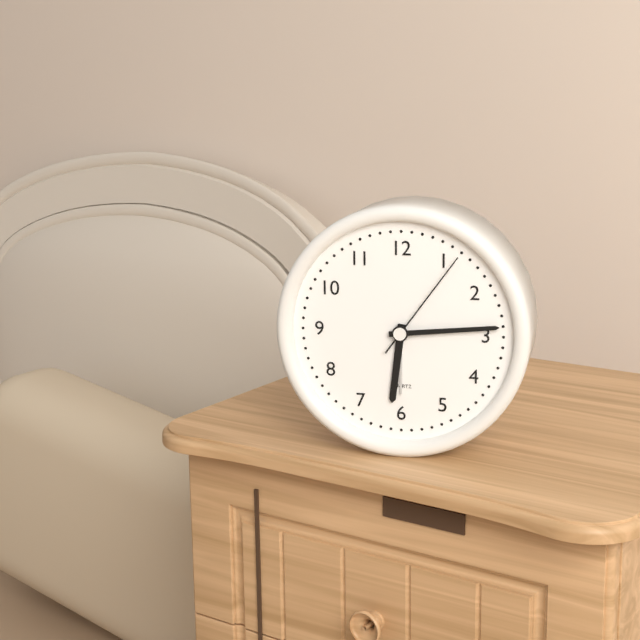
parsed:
6:14:06
